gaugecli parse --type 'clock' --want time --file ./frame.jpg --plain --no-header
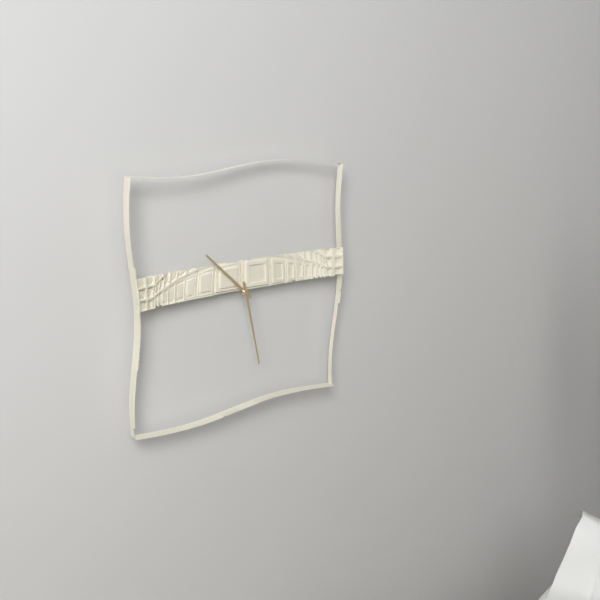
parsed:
10:28
